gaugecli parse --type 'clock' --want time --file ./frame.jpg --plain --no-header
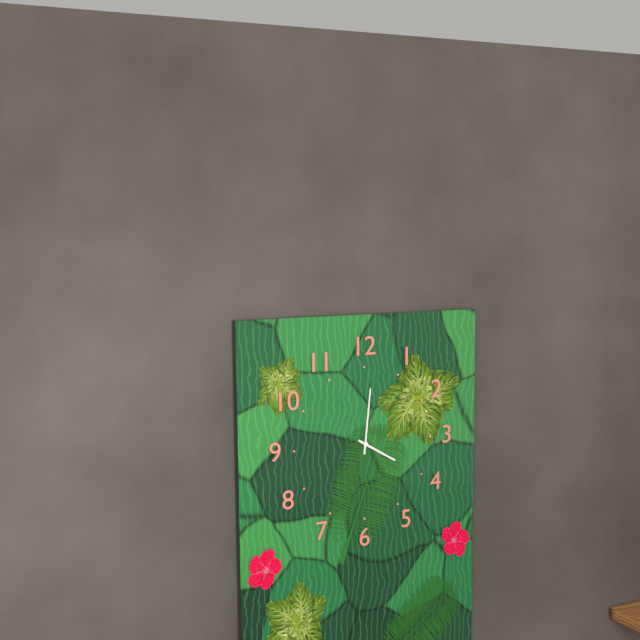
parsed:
4:01
